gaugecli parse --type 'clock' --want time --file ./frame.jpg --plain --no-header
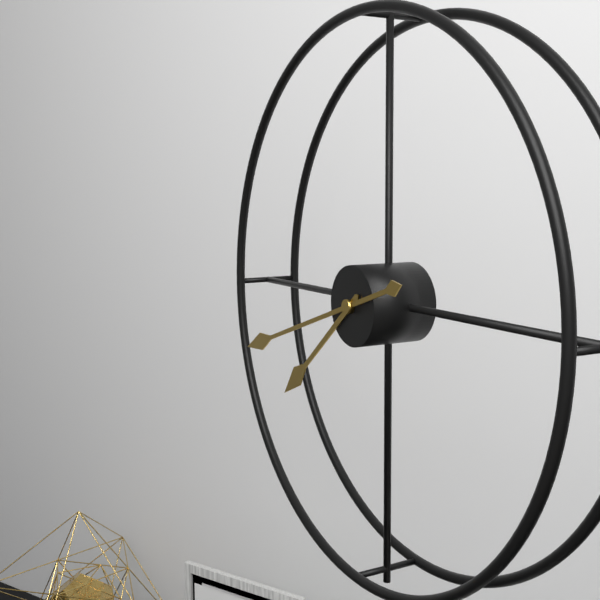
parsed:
7:42
